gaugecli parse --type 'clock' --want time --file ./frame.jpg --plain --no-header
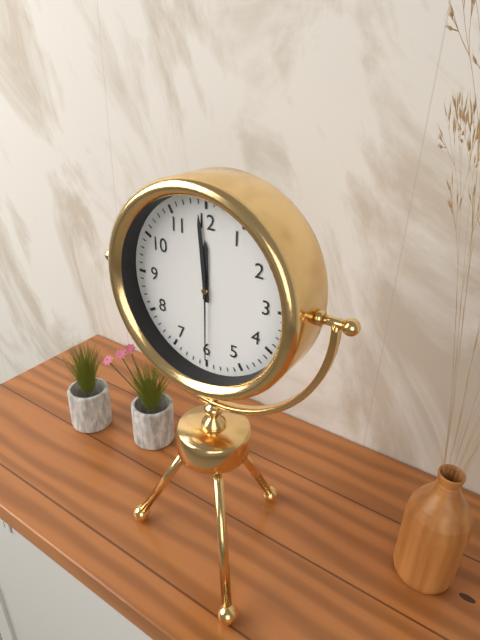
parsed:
11:59:30
